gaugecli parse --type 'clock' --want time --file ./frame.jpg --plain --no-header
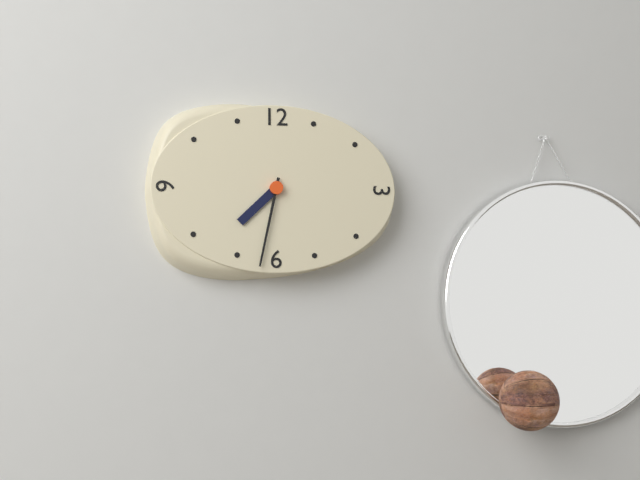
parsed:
7:32
